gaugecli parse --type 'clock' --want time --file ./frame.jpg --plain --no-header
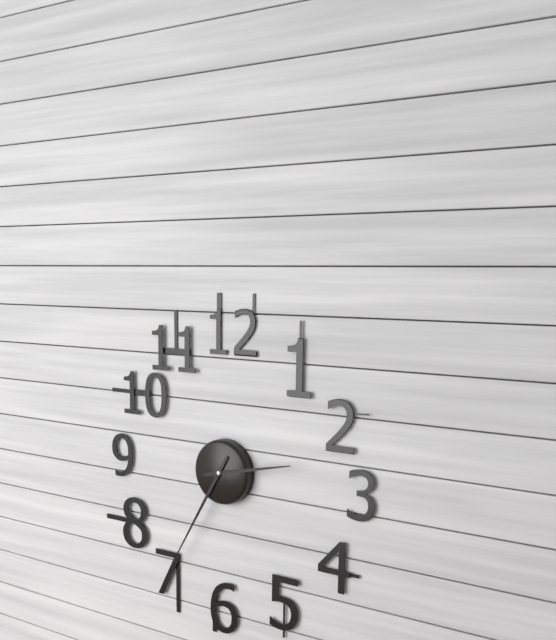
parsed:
2:35
